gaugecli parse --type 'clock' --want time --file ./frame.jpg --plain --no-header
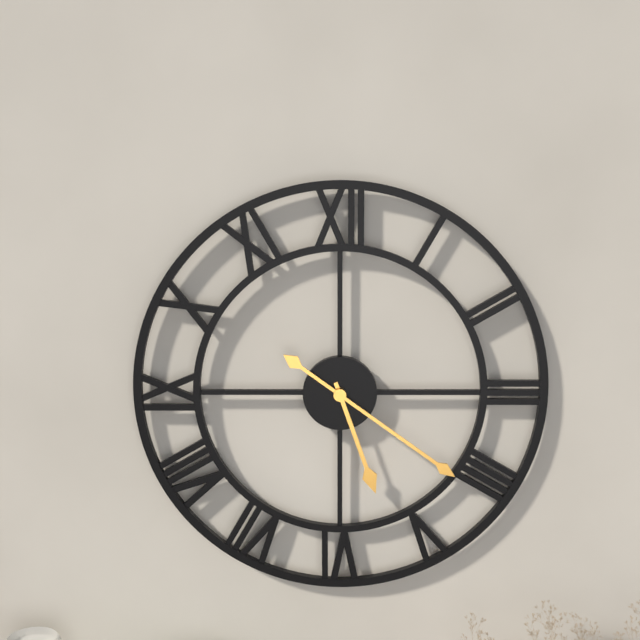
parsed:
5:21
